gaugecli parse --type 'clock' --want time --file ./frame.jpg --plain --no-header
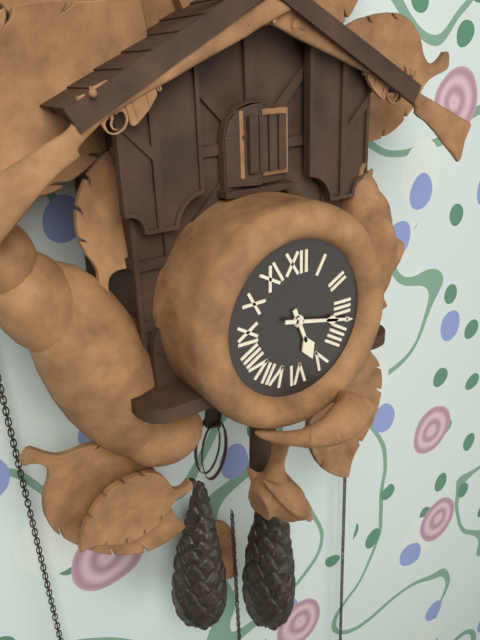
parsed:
5:17
